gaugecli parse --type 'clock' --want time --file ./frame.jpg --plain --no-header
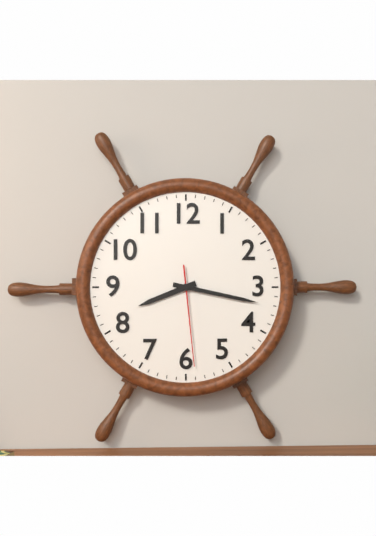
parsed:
8:17:29
